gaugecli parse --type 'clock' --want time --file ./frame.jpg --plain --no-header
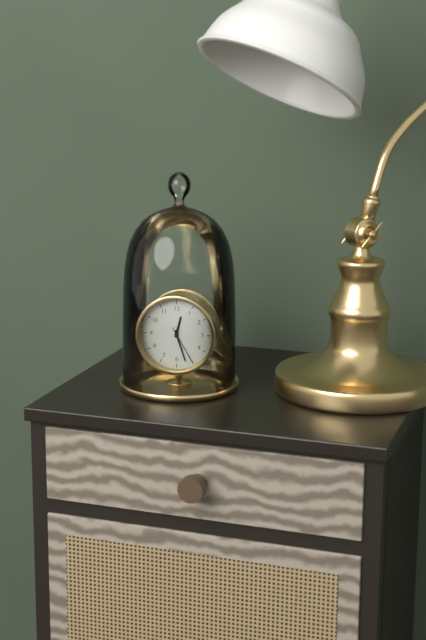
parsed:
12:27
